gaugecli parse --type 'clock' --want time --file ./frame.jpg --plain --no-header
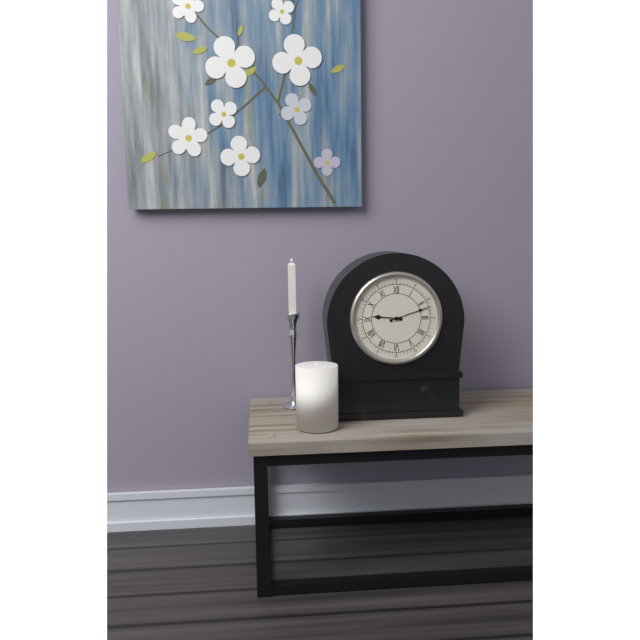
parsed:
9:12
